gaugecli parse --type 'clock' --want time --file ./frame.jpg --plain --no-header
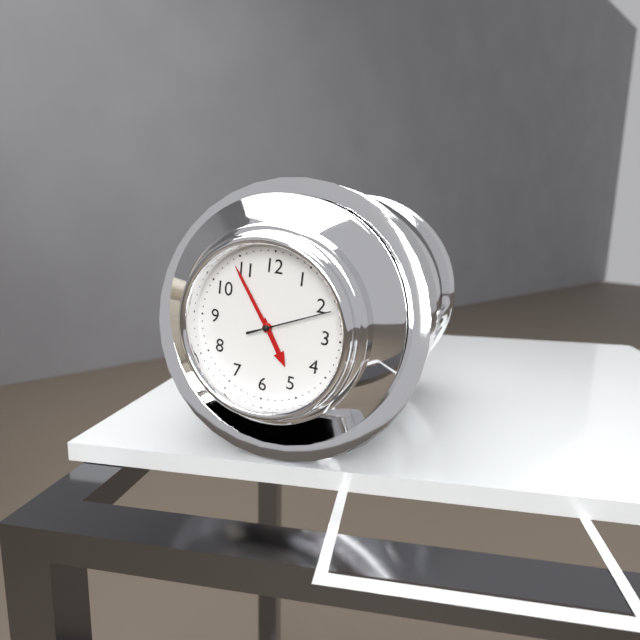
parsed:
4:54:11
